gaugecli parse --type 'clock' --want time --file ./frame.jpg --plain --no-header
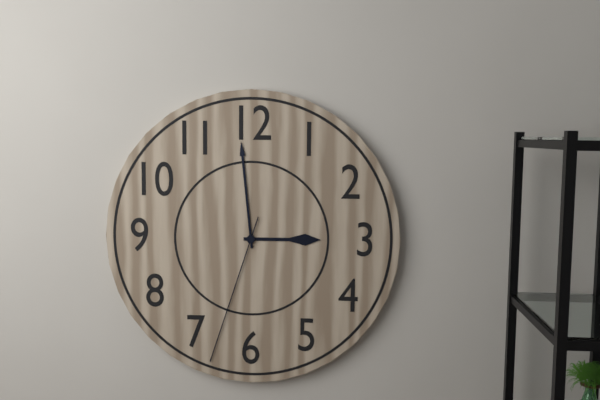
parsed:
2:59:33
